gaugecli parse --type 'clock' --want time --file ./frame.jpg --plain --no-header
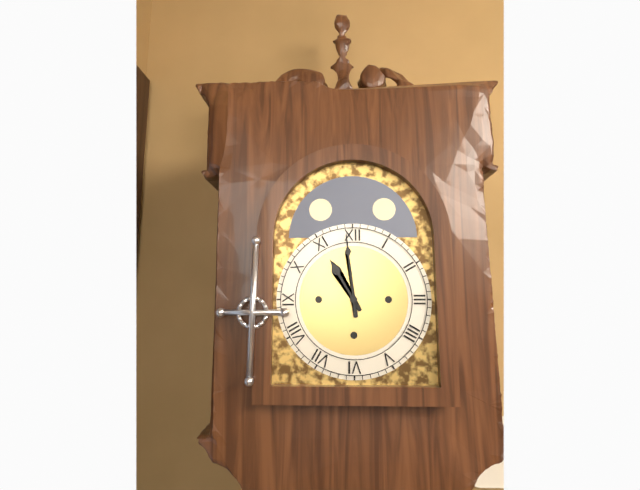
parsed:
10:59
